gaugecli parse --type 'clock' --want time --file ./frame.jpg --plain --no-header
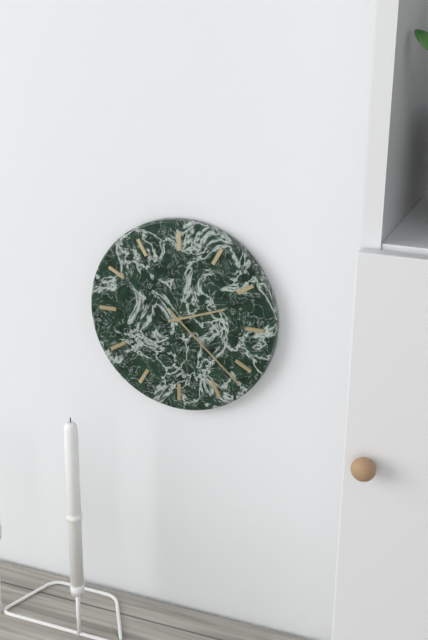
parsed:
2:22
